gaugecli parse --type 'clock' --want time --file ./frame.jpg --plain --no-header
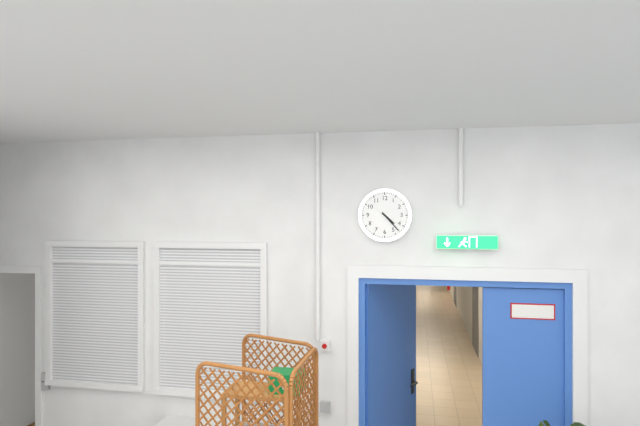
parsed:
4:23
